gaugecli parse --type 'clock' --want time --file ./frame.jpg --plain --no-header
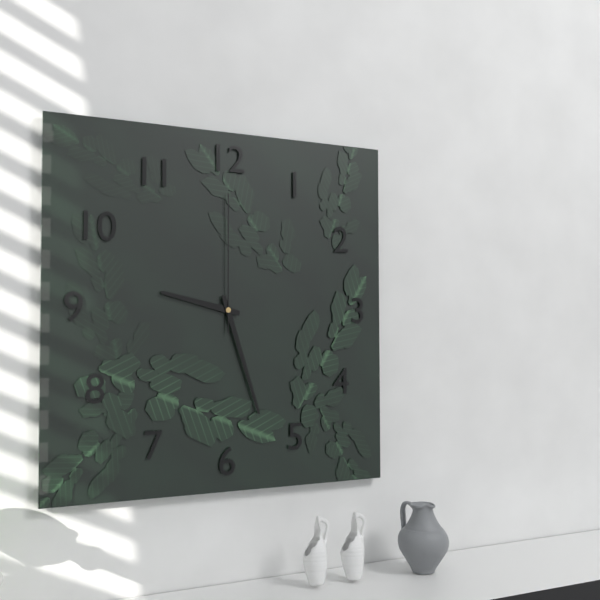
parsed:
9:27:00
